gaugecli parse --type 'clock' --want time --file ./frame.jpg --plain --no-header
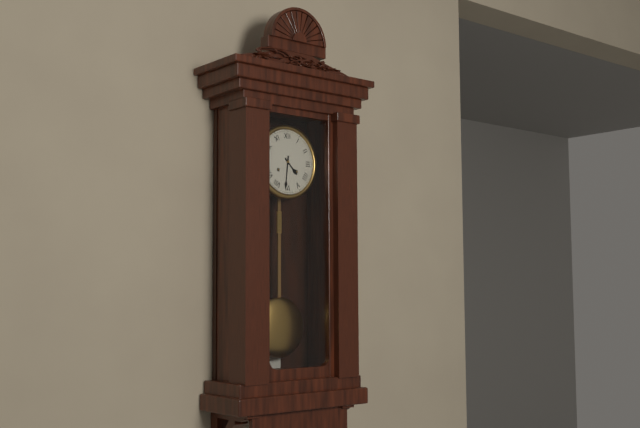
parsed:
4:31
